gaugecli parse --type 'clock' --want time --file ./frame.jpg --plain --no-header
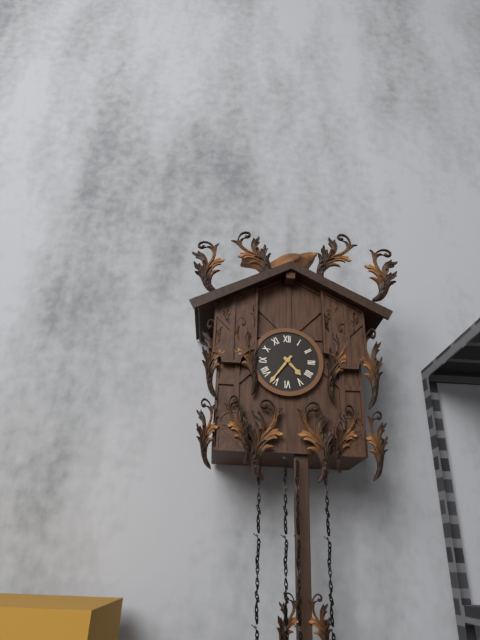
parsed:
4:36
